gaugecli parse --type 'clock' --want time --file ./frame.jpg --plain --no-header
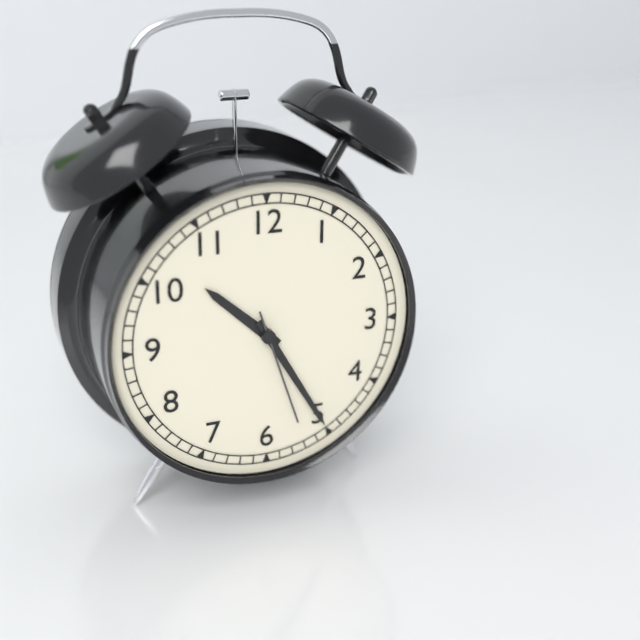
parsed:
10:25:27
